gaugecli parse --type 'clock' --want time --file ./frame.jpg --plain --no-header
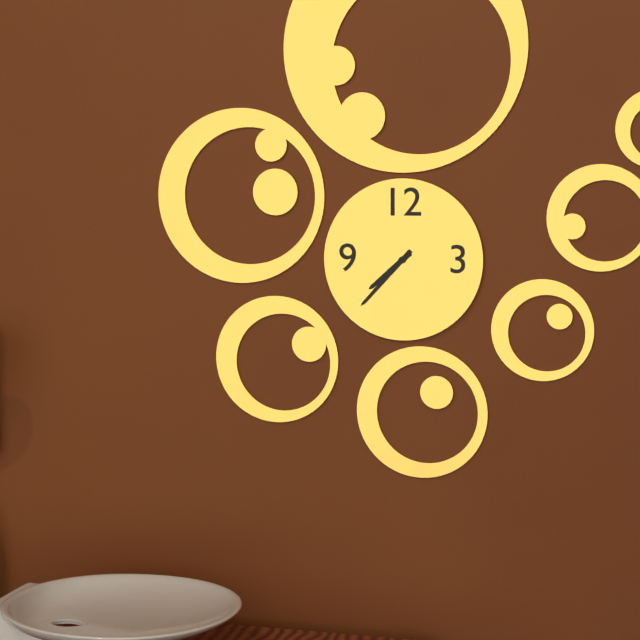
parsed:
7:37
